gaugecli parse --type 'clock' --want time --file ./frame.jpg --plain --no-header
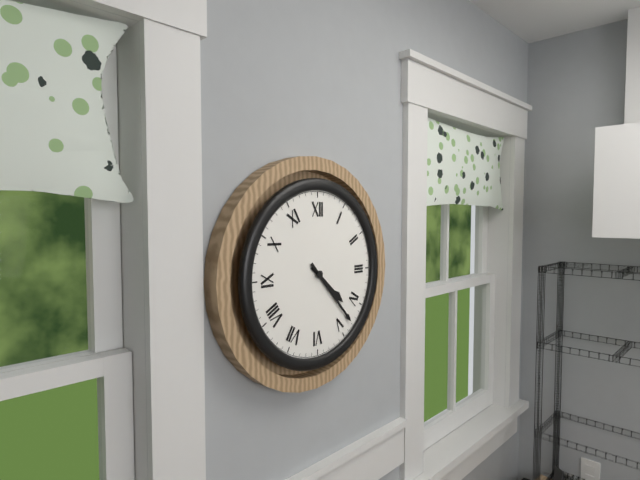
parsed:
4:23
